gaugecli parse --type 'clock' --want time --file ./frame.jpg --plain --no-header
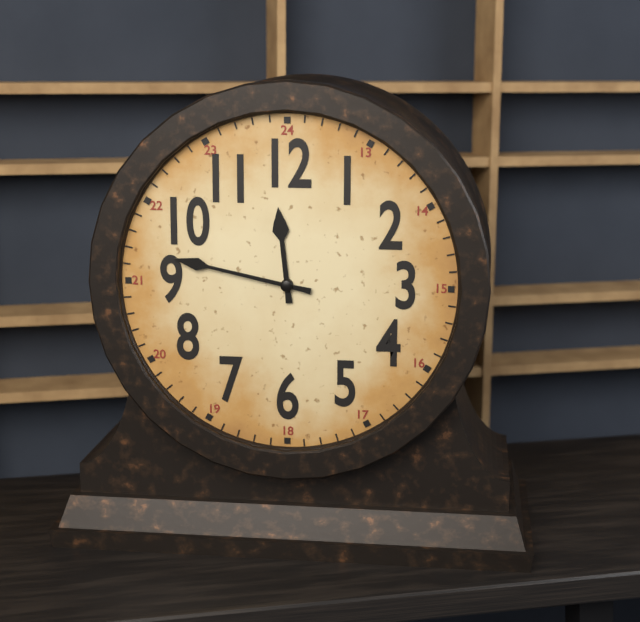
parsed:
11:47
